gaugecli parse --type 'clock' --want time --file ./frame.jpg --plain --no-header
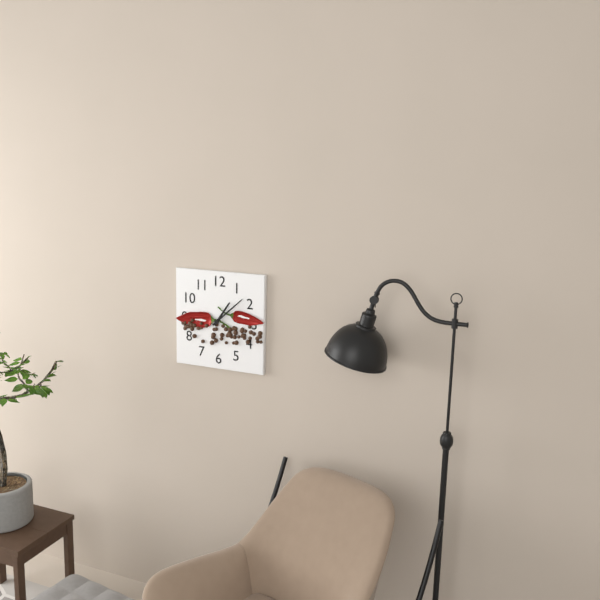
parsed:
1:08
